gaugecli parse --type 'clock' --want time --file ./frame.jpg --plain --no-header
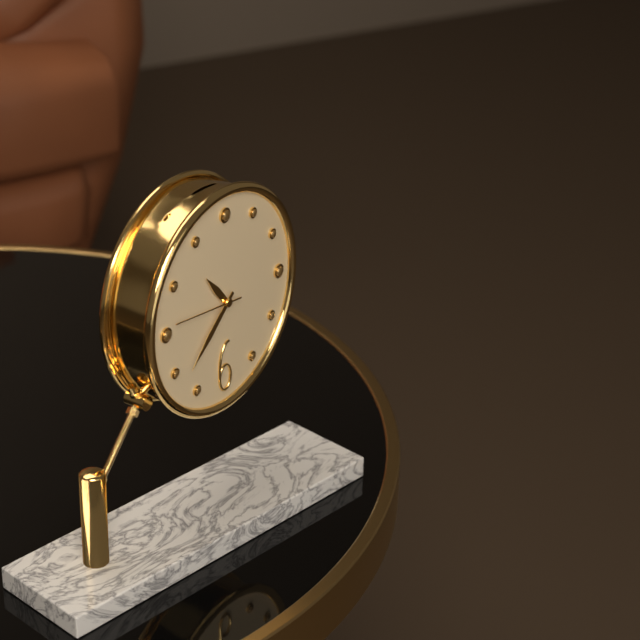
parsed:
10:38:46
